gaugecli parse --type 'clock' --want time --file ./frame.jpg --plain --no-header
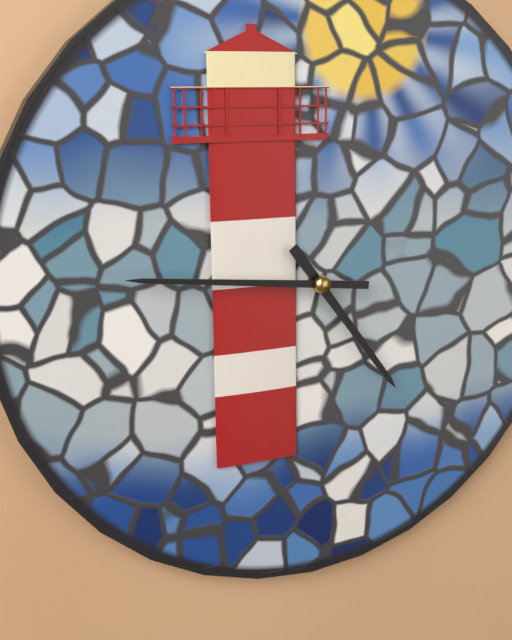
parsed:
4:46
